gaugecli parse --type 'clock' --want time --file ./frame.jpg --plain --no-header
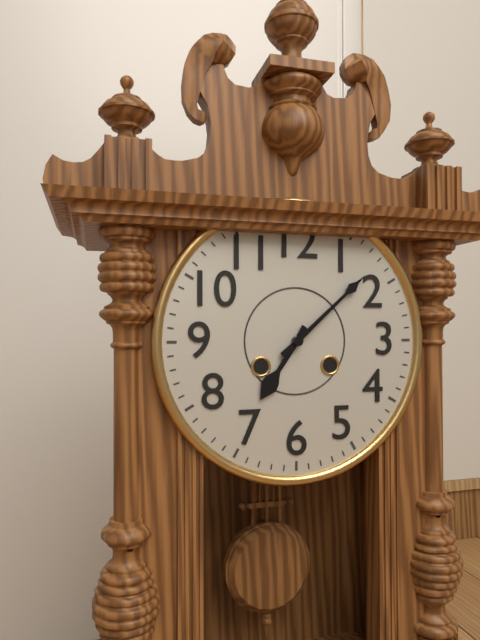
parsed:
7:08
